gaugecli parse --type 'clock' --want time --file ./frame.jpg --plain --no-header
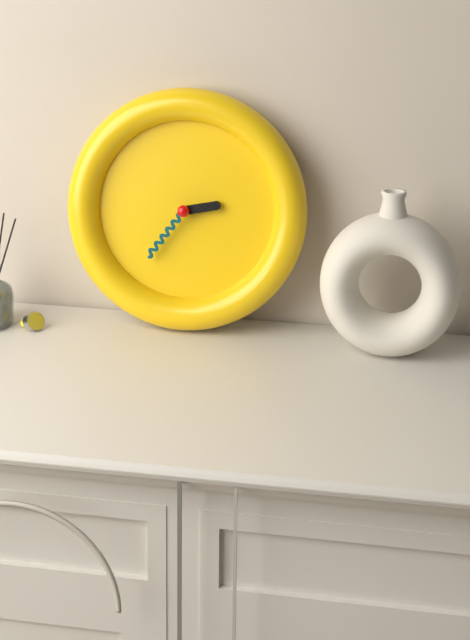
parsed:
2:36
